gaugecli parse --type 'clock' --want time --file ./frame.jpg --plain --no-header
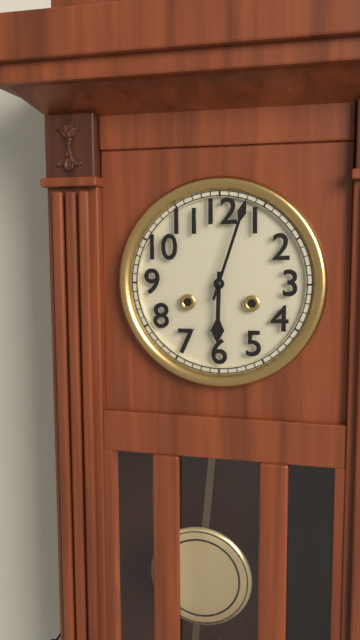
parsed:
6:03
